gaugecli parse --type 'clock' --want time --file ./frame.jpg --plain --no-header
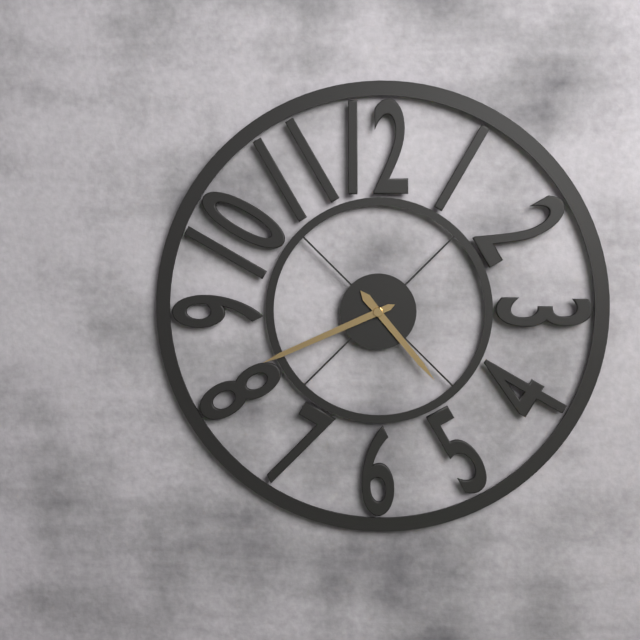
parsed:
4:41
